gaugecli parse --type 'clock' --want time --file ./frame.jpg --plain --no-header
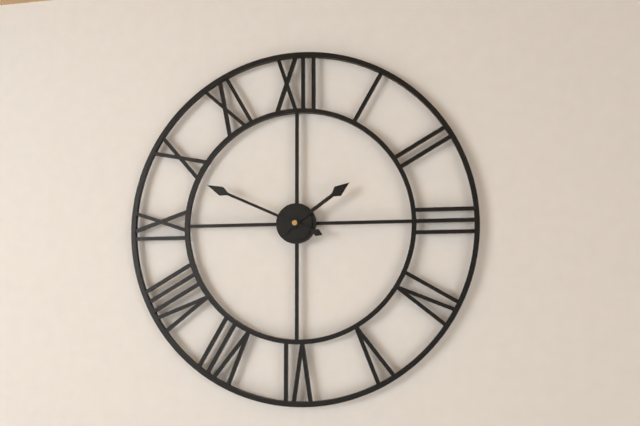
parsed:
1:49
